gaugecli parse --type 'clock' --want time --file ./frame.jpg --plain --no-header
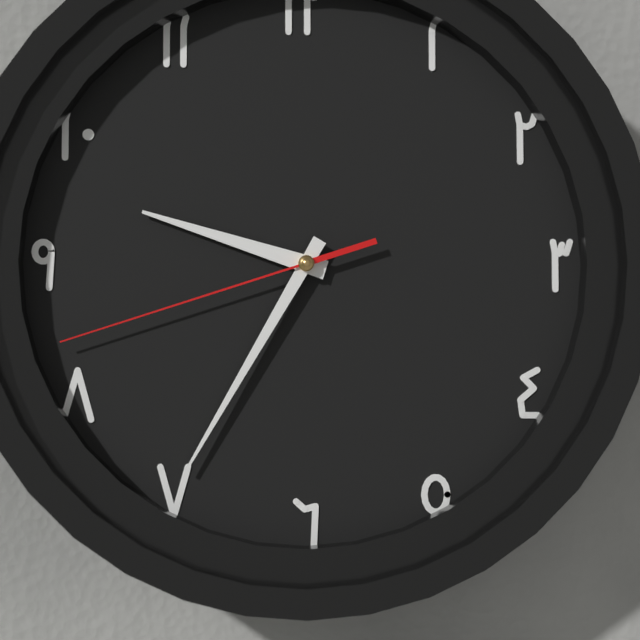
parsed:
9:35:42
